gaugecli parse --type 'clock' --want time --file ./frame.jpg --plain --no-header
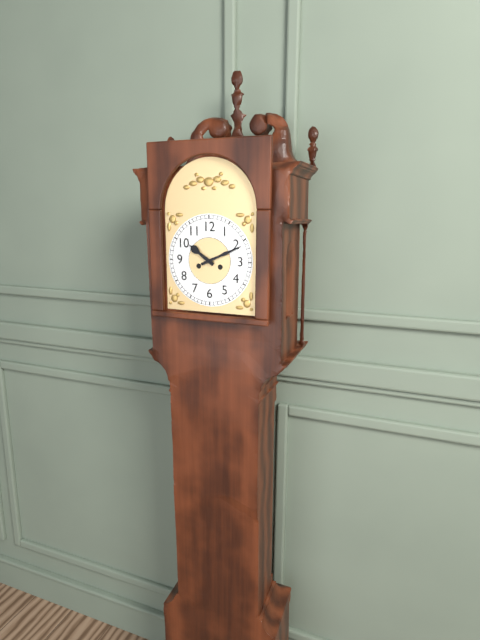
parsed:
10:11
